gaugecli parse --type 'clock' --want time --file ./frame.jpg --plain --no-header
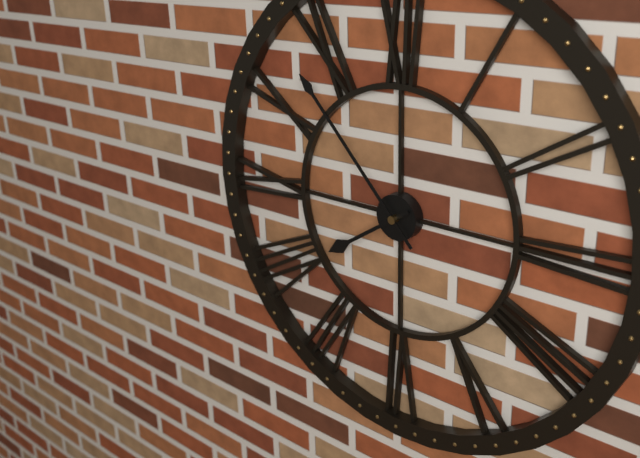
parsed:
7:53
